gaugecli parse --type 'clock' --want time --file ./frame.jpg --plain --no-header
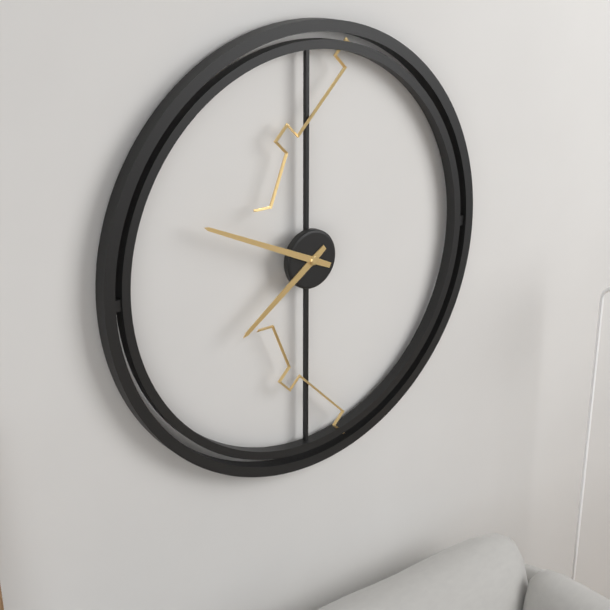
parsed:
7:49
